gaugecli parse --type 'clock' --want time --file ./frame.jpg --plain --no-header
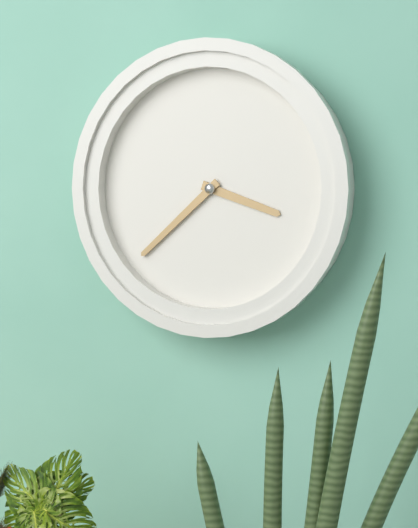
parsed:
3:38
